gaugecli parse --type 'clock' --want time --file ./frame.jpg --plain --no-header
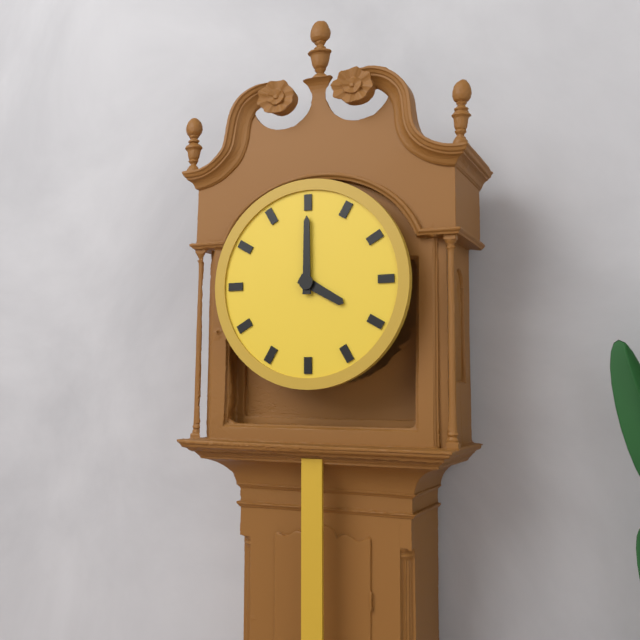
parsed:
4:00
